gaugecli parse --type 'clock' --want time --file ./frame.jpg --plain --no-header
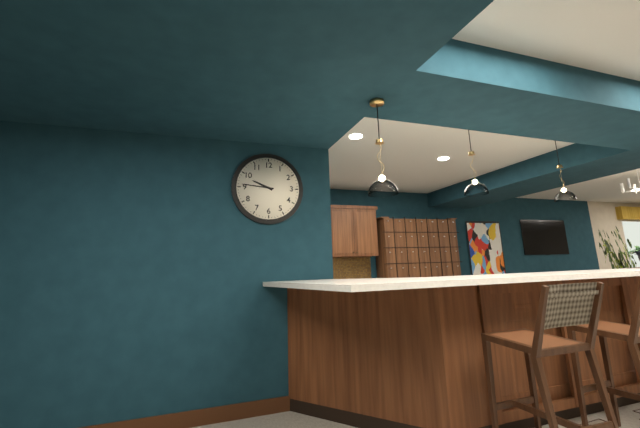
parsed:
9:46
